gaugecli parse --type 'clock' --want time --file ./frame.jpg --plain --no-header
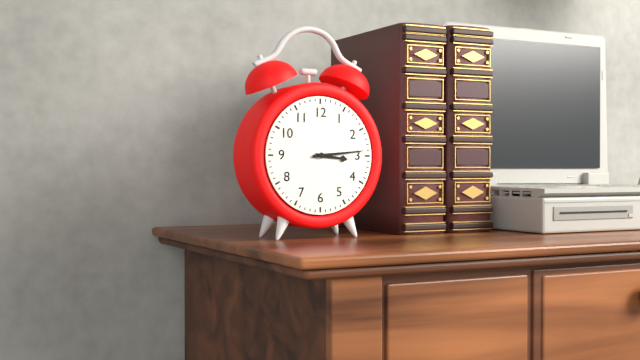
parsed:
3:14
